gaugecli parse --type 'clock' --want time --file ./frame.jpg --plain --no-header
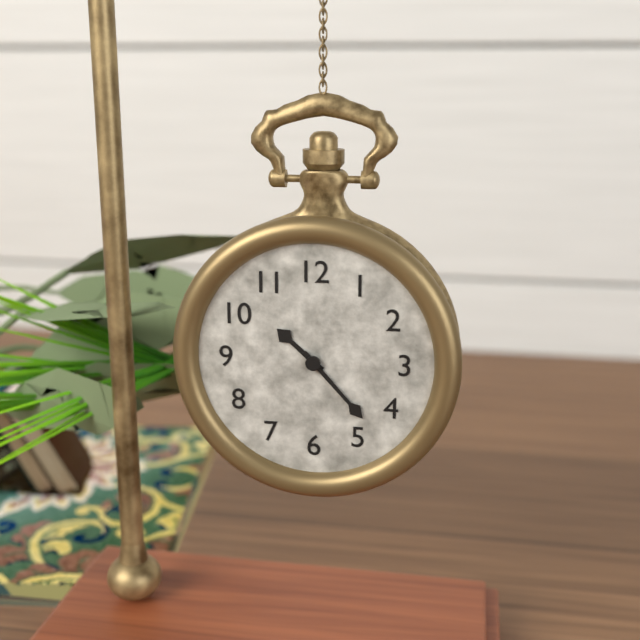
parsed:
10:23
